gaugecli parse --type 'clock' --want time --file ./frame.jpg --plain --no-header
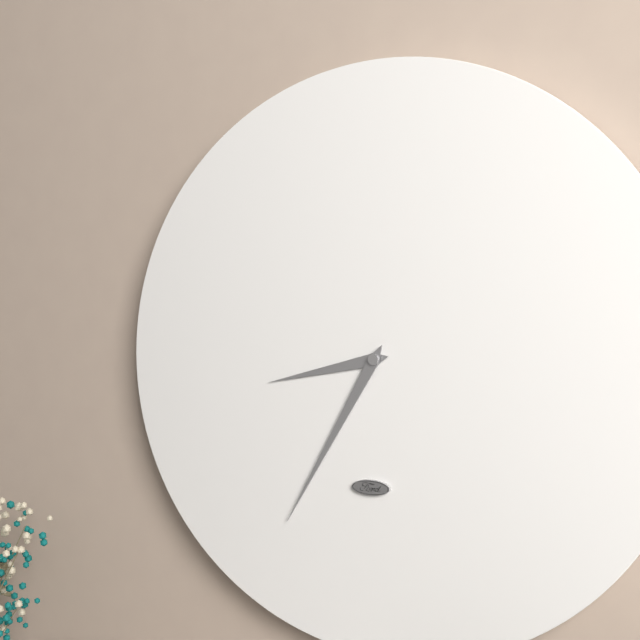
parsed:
8:35
